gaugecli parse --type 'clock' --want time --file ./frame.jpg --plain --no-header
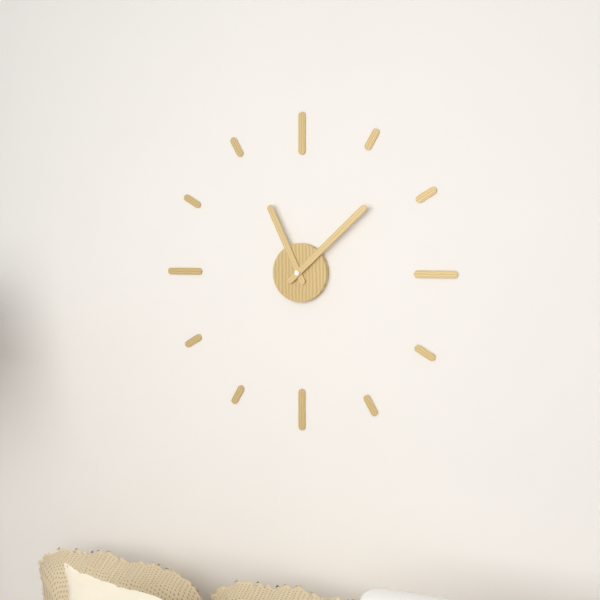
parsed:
11:08
